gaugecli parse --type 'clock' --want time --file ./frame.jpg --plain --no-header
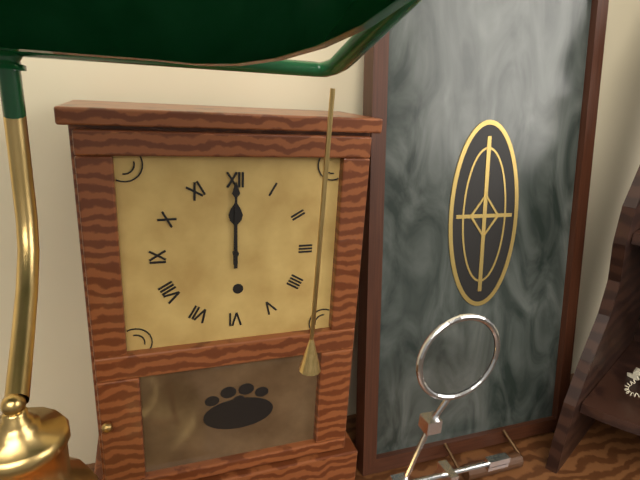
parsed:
12:00
